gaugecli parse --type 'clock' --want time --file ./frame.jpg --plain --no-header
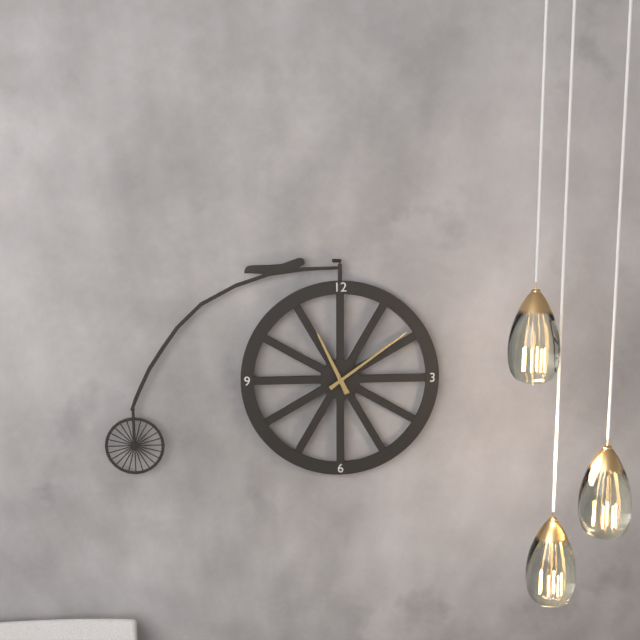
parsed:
11:09
